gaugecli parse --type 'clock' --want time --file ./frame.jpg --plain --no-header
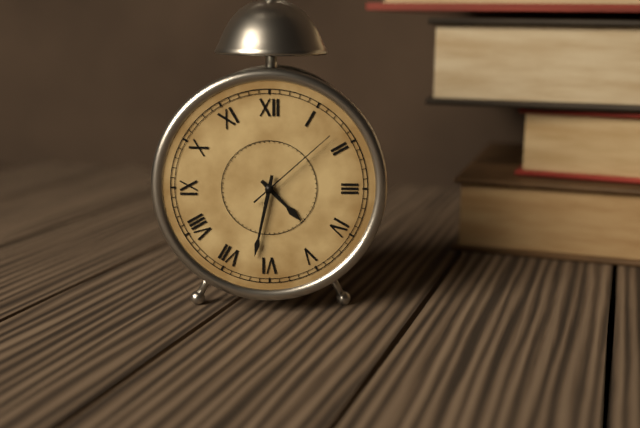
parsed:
4:32:08
